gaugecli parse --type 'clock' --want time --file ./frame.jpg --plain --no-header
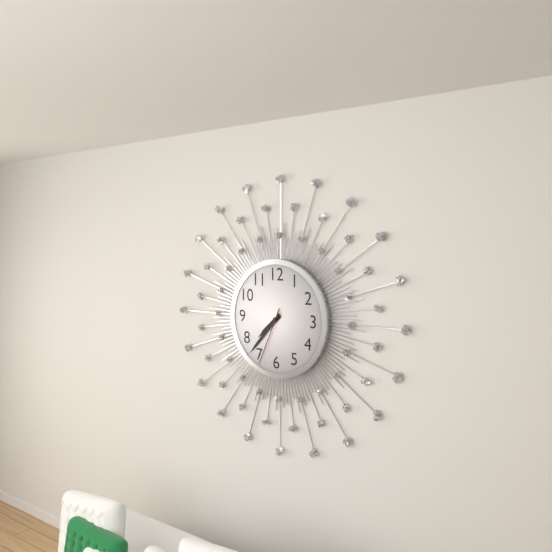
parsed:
7:37:34
